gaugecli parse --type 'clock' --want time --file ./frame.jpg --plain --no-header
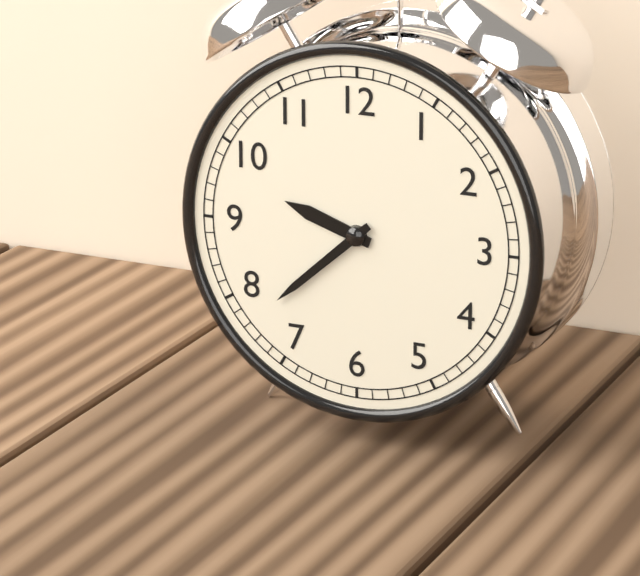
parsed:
9:38
